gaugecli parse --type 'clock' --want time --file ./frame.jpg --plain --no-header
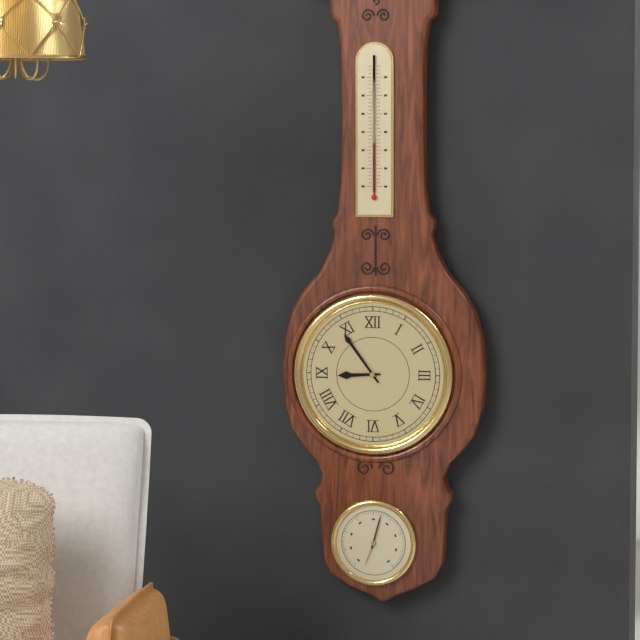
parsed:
8:54
